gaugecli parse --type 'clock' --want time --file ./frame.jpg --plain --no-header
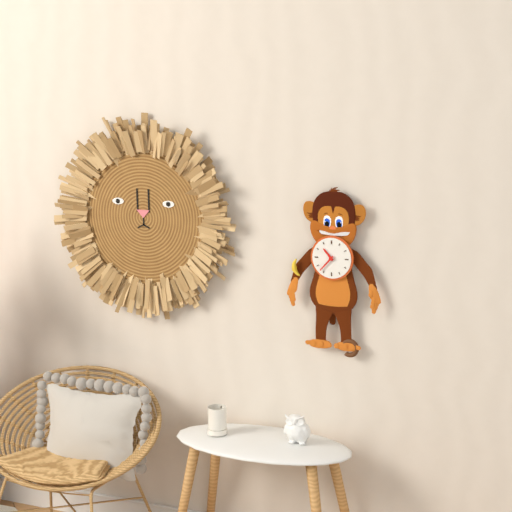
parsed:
10:37
